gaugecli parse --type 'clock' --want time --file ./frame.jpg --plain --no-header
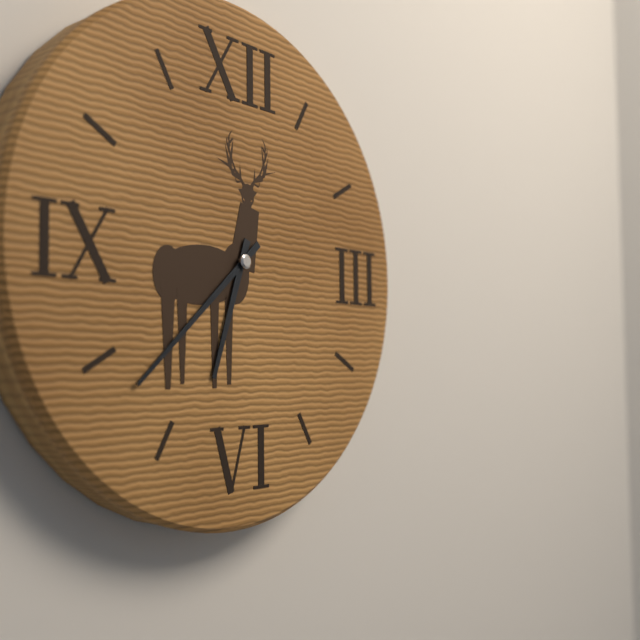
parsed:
6:38
